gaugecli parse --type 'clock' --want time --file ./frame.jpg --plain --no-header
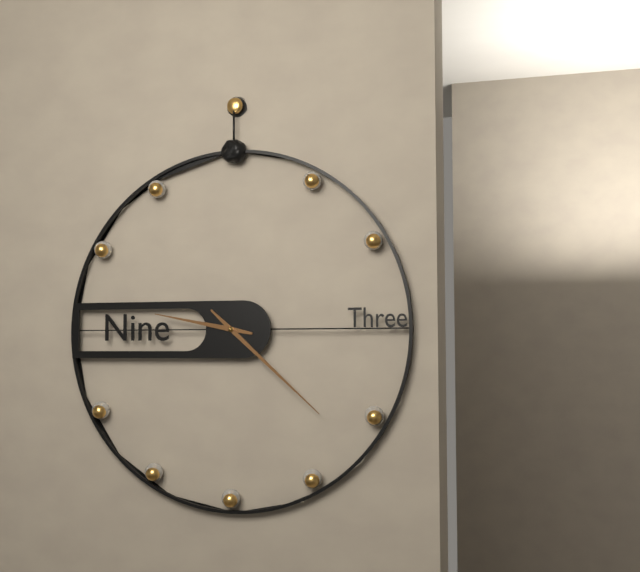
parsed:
9:22
